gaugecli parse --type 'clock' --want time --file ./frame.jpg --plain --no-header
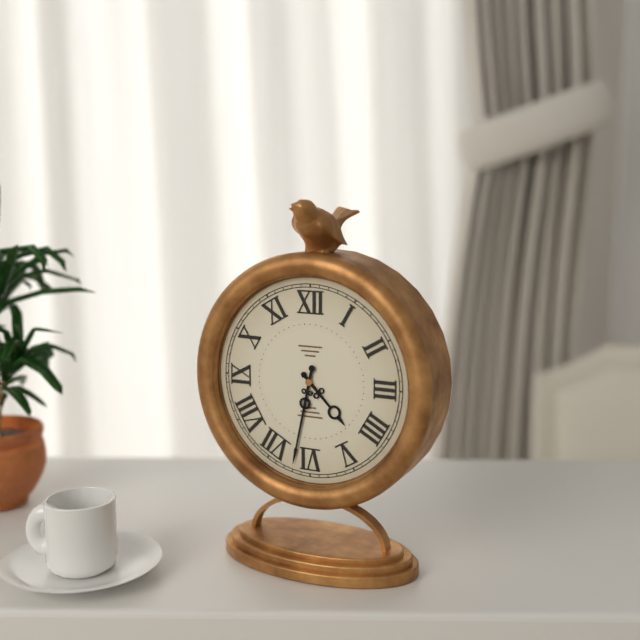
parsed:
4:32
